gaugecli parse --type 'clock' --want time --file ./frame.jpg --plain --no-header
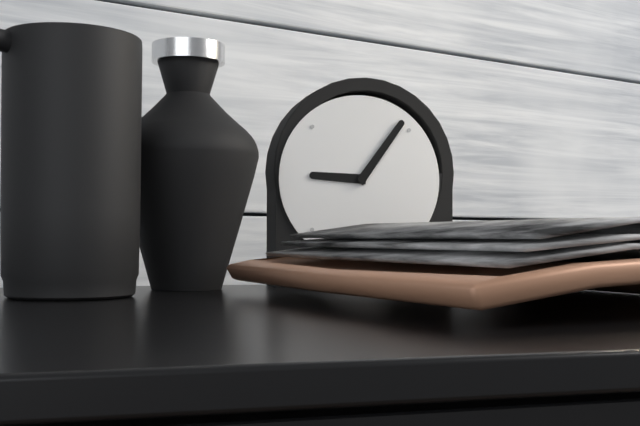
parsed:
9:06
